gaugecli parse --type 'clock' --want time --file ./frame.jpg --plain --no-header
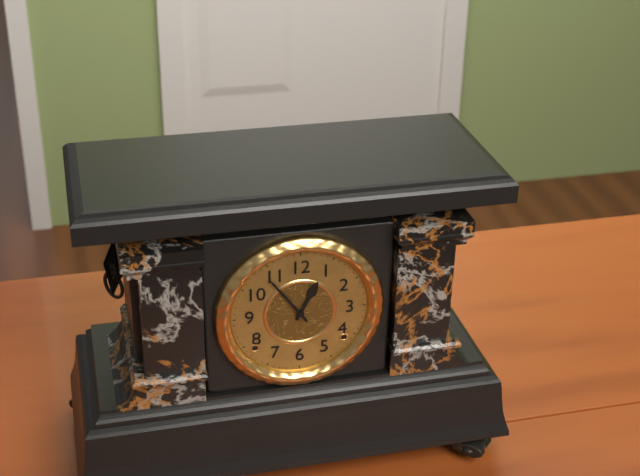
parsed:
12:54
